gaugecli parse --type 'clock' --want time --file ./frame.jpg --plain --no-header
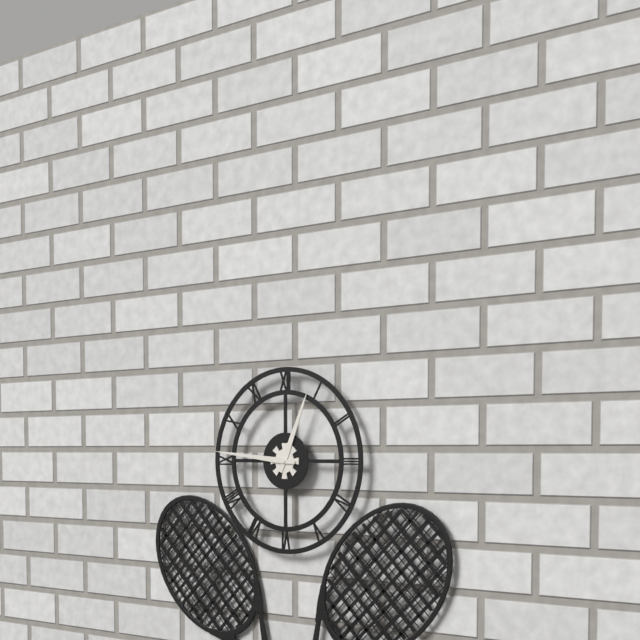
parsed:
12:46
